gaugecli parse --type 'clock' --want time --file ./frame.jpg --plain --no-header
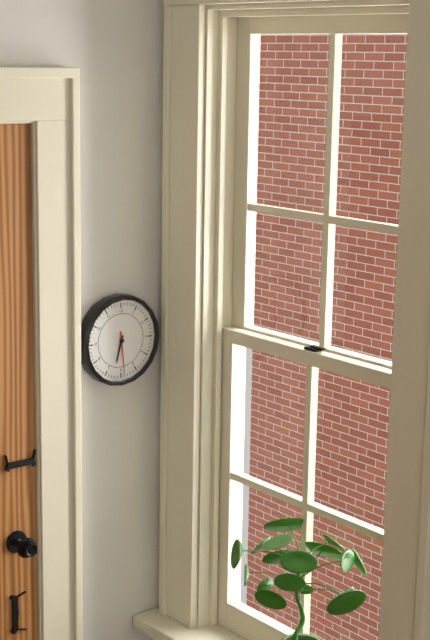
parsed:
6:29
